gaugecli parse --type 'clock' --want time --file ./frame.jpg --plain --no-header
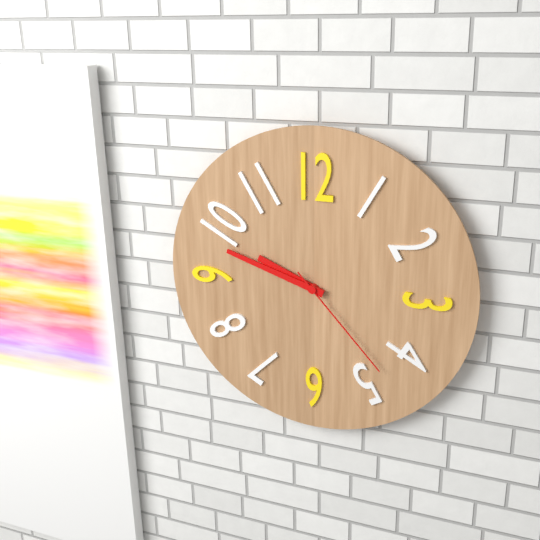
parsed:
9:48:23
